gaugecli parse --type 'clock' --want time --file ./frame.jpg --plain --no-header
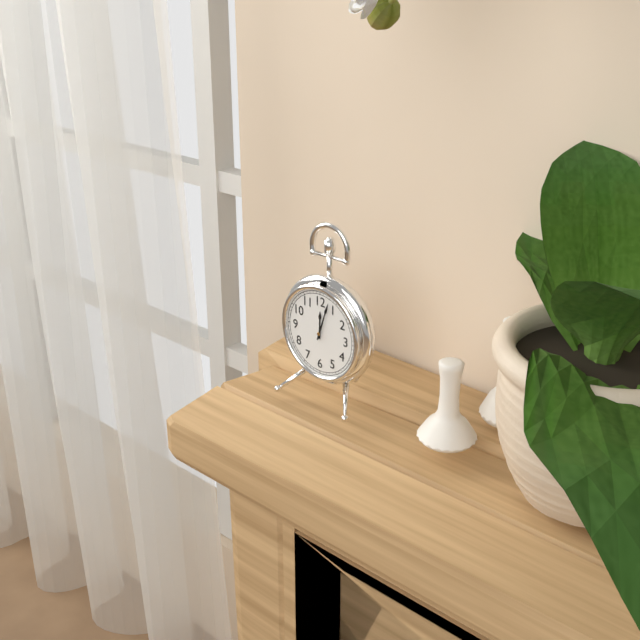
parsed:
12:03
